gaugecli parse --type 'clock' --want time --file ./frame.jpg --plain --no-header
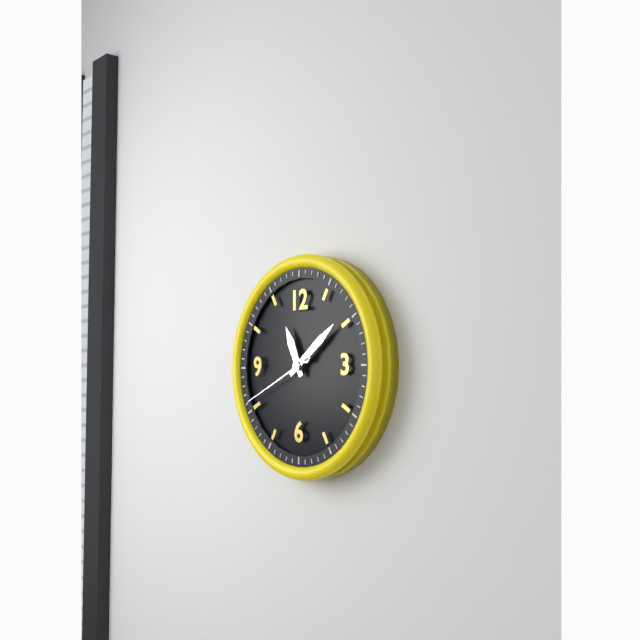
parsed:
11:09:41
